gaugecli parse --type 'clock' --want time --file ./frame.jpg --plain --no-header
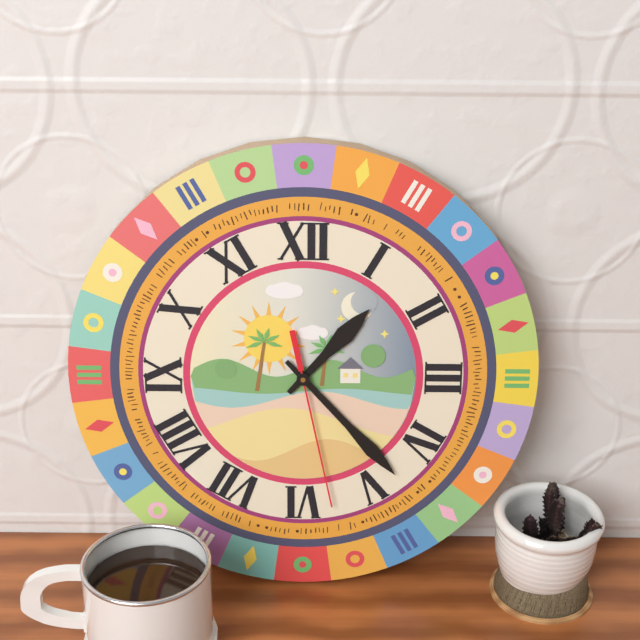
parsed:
1:23:28
